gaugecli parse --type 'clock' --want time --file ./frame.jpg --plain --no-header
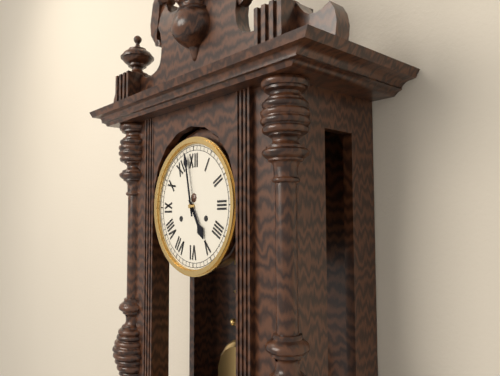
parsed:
4:58
